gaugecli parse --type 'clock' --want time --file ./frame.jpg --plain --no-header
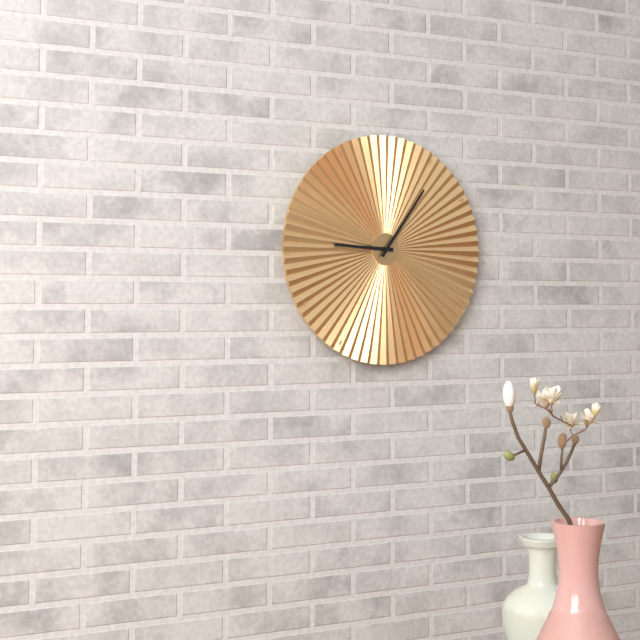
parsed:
9:06
